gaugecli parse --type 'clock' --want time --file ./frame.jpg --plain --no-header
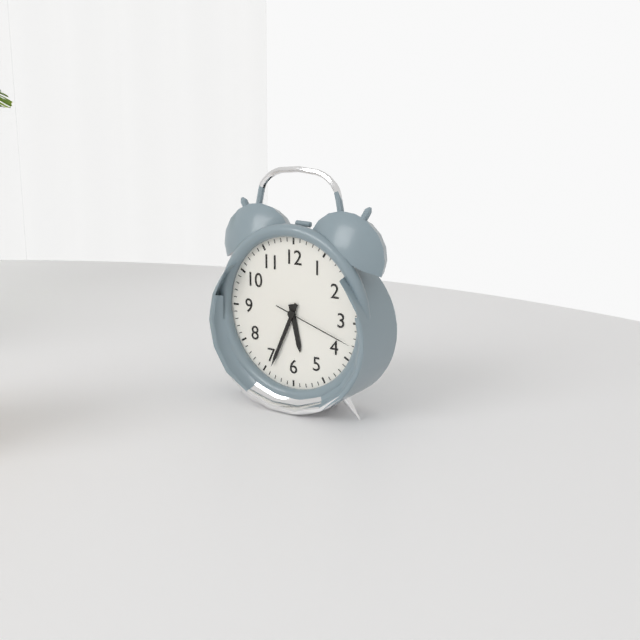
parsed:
5:34:18
